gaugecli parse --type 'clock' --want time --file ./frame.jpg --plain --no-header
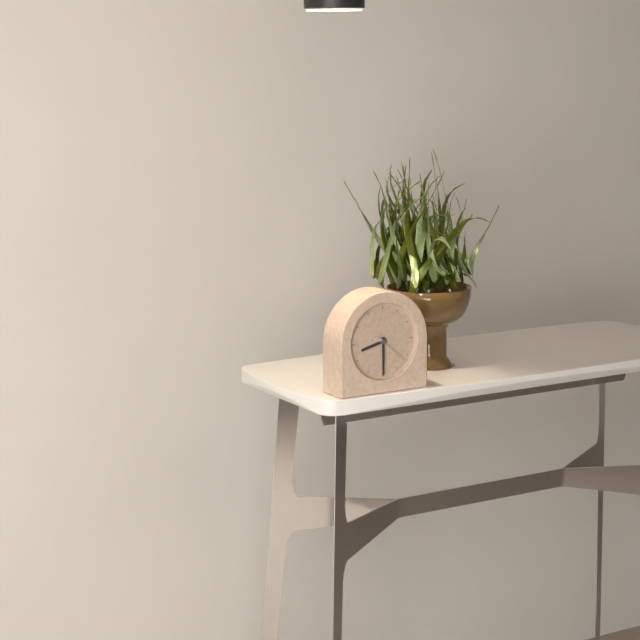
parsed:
8:30
